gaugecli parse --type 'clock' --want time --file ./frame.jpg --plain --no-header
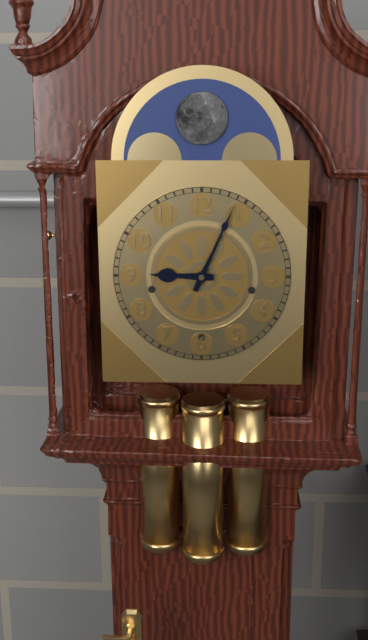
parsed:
9:04
